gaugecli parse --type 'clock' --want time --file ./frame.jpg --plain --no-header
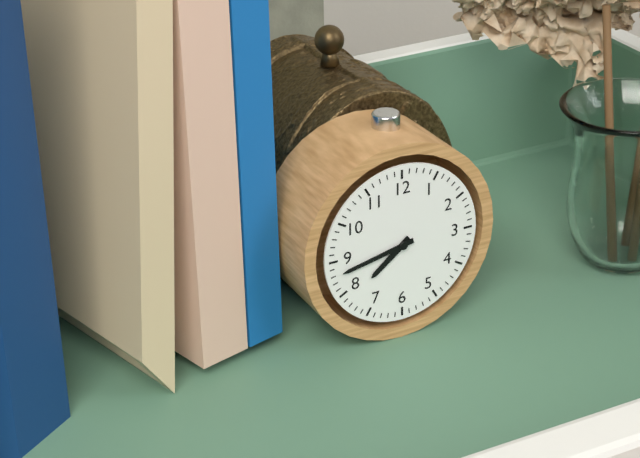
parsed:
7:43
